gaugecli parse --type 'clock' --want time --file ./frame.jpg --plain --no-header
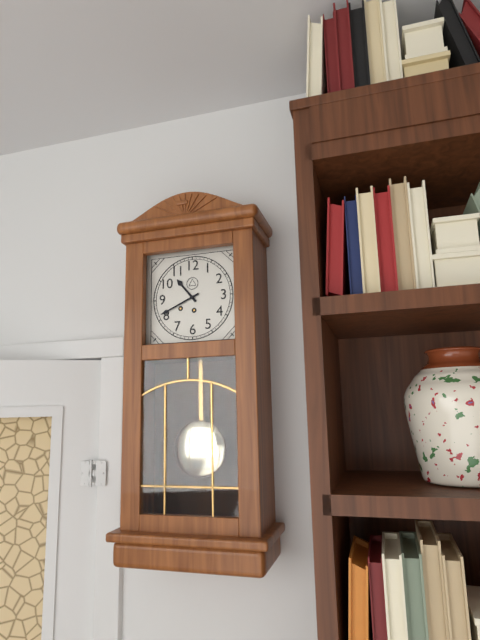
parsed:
10:41
